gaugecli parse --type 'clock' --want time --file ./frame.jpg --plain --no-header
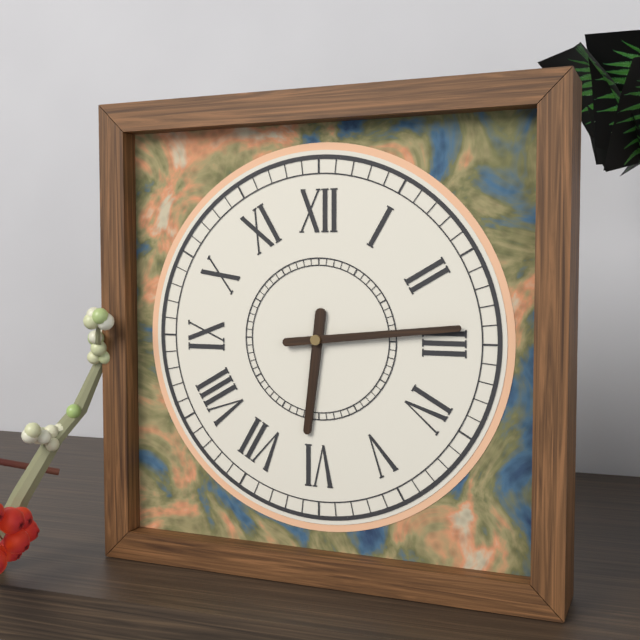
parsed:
6:14
